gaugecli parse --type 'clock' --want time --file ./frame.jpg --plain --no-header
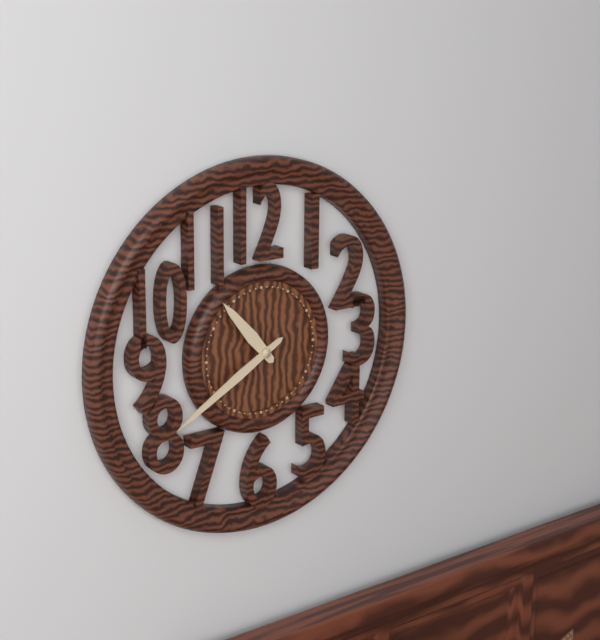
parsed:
10:40
